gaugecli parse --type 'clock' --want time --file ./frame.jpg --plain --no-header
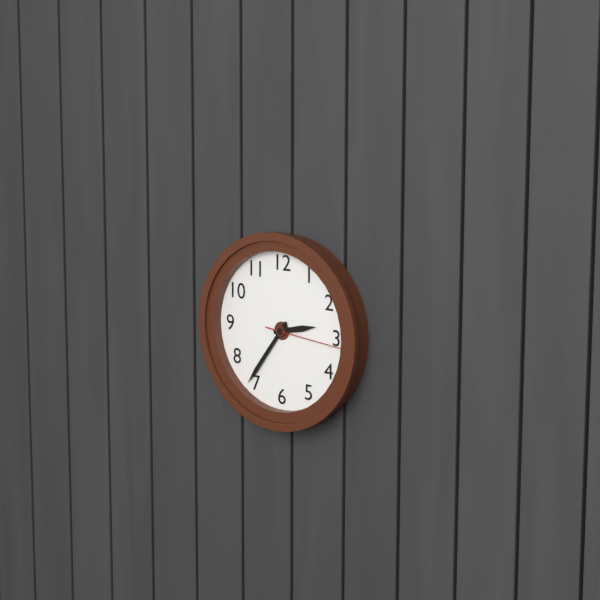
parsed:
2:36:16
